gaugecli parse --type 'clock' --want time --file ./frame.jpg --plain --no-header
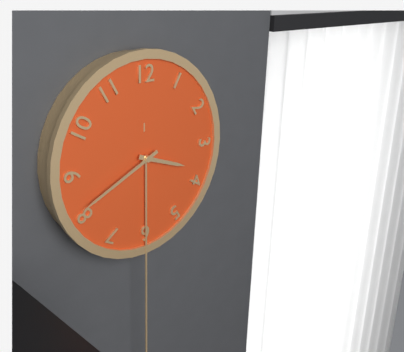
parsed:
3:41
